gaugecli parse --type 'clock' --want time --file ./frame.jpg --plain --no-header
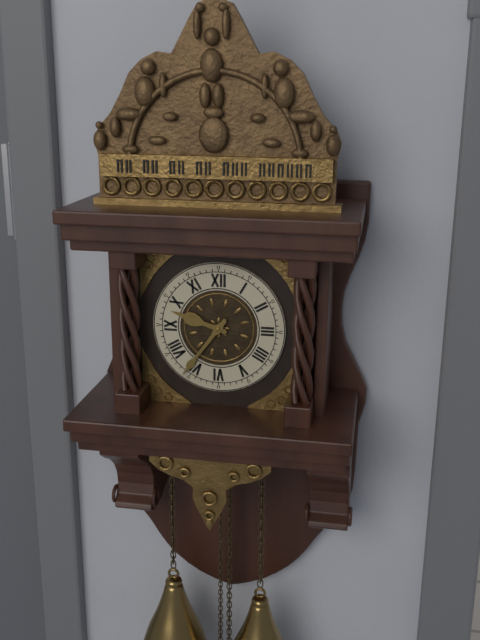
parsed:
9:36
